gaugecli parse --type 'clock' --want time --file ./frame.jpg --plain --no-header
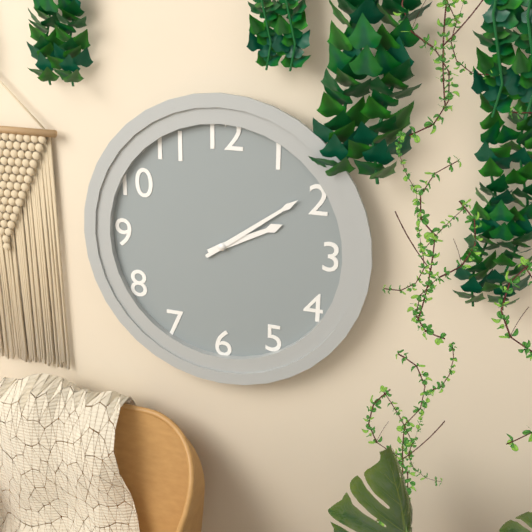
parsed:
2:09
